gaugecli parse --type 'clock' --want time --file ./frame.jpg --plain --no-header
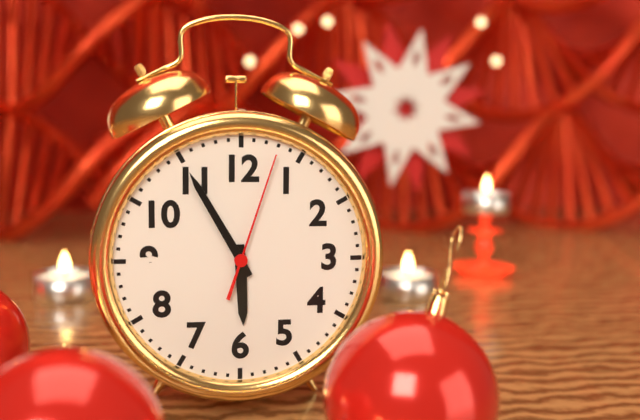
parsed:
5:55:03
